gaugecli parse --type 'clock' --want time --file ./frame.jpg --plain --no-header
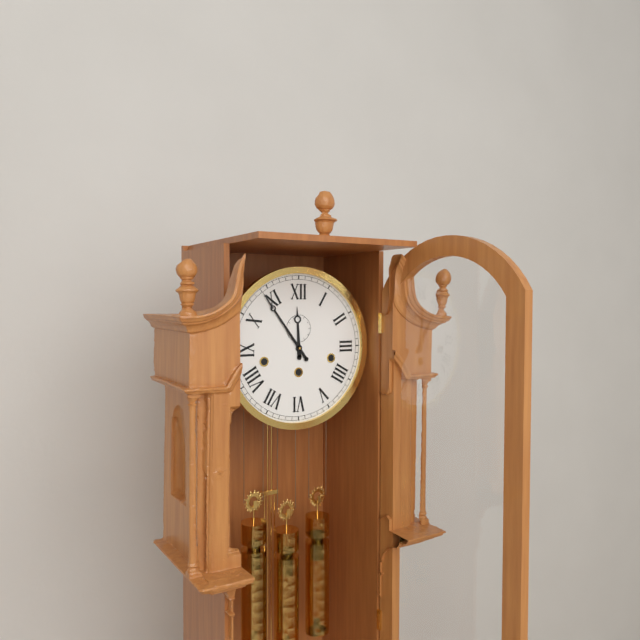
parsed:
11:54
